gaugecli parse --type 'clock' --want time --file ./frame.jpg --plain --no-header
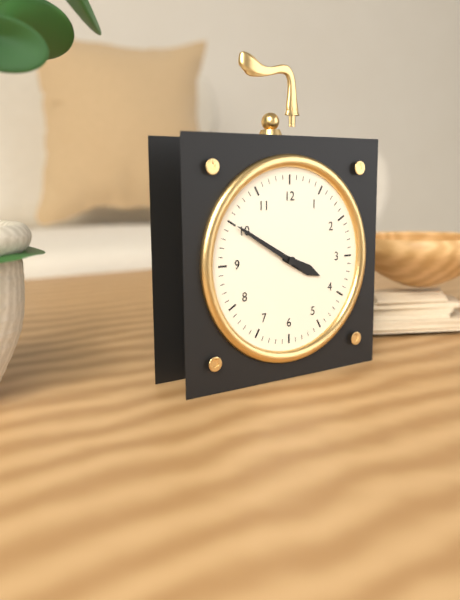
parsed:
3:50
